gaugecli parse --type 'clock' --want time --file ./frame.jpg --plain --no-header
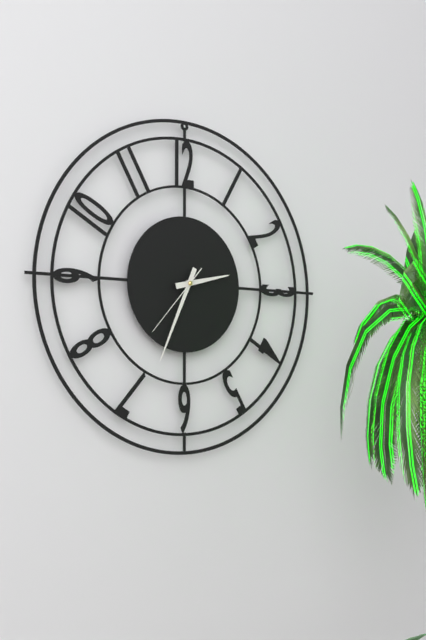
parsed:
2:34:37
